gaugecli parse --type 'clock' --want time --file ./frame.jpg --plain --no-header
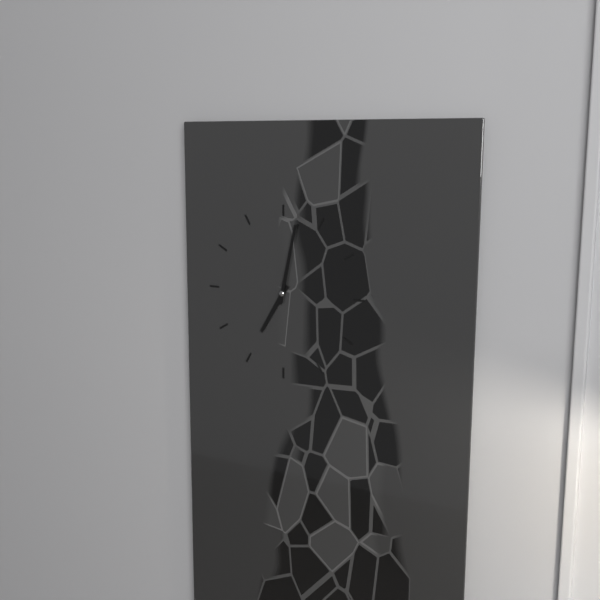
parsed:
7:02
